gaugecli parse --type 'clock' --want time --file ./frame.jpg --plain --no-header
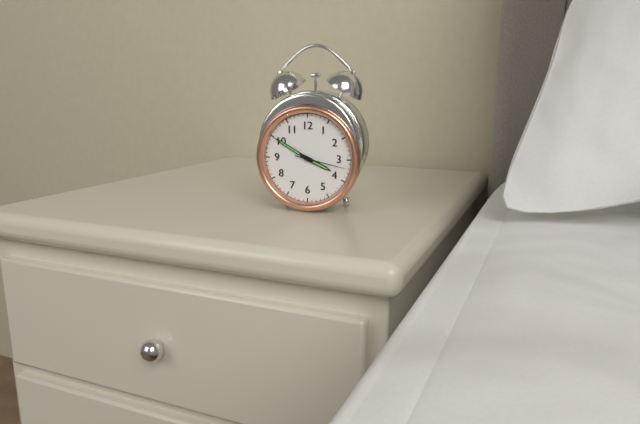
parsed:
3:50:17
